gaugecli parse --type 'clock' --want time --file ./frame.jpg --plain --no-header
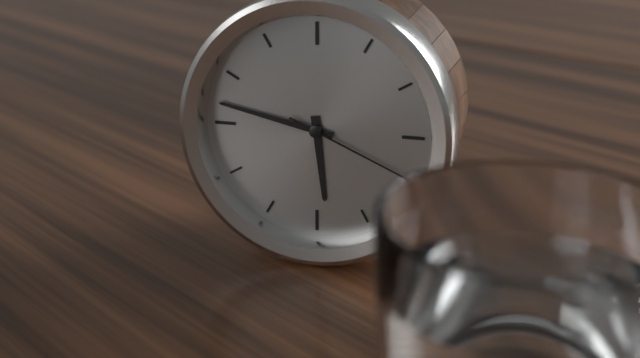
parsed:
5:47:19
